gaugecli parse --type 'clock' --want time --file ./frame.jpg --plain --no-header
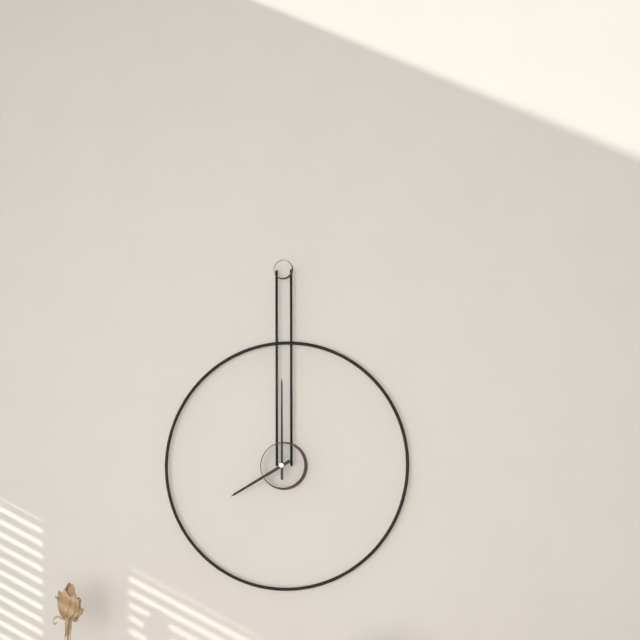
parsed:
8:00
